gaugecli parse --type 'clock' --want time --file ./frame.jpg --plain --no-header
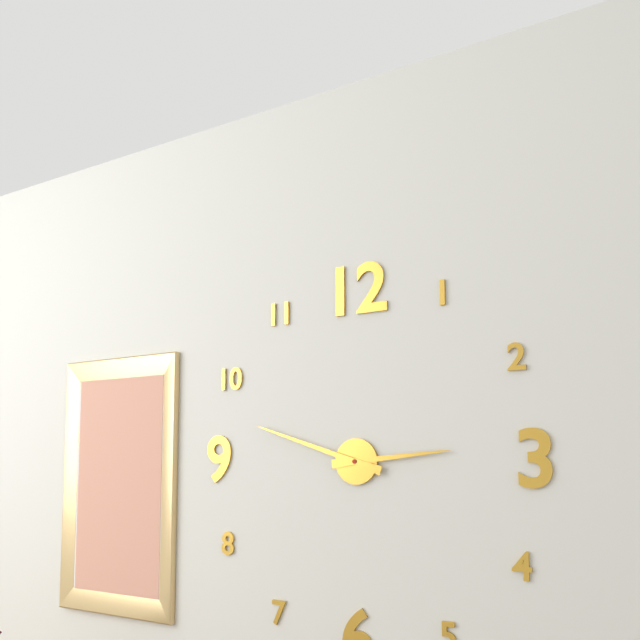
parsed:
2:48
